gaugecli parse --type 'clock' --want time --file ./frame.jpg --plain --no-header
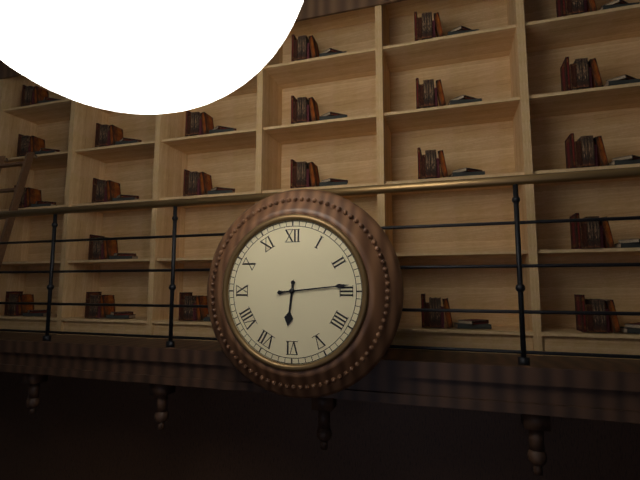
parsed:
6:14
